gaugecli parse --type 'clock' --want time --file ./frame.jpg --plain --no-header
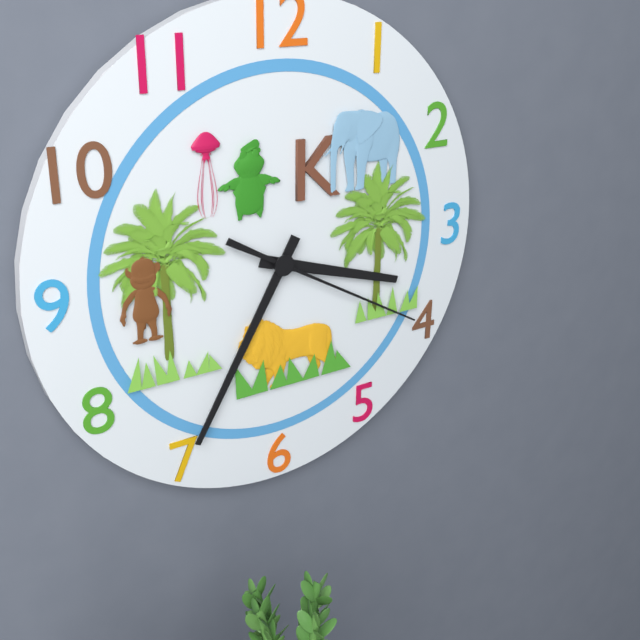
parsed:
3:35:20
